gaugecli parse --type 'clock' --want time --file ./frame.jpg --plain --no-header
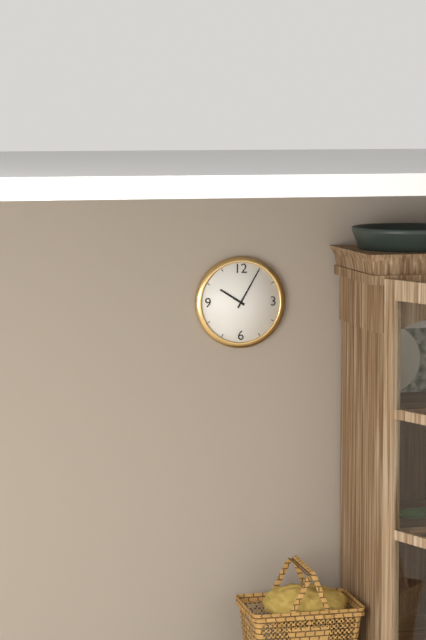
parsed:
10:05
